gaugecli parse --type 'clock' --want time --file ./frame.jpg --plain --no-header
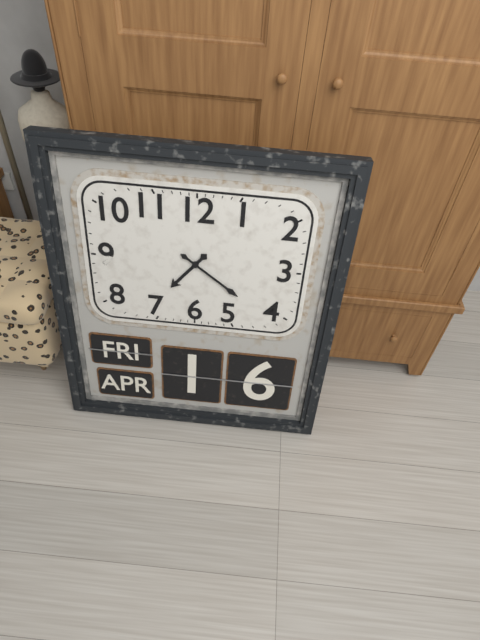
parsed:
7:21
